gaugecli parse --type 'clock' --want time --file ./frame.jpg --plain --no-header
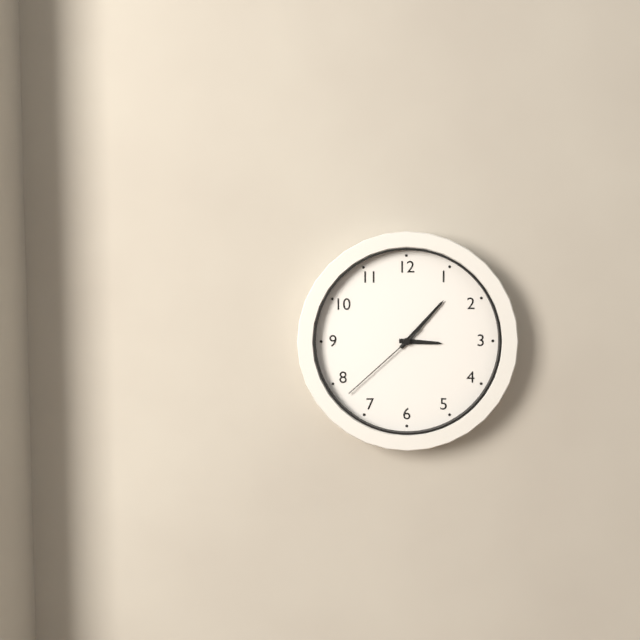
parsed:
3:07:38
